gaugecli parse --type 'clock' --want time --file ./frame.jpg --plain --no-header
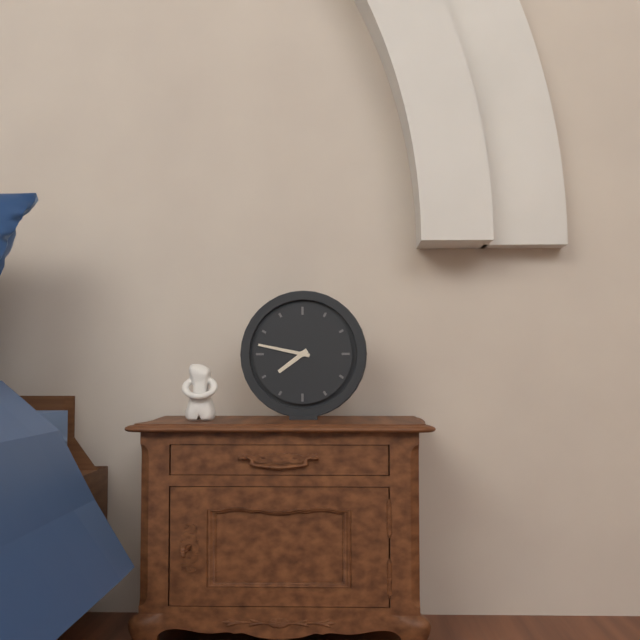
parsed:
7:47
